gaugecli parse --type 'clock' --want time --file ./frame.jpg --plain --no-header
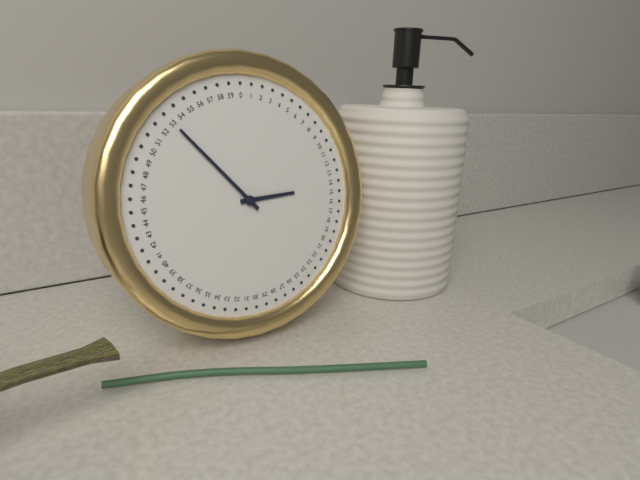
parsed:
2:53
